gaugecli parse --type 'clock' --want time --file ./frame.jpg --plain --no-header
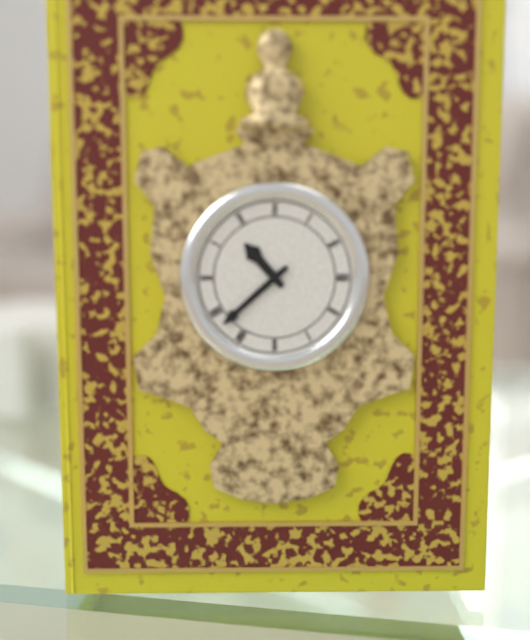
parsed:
10:38
